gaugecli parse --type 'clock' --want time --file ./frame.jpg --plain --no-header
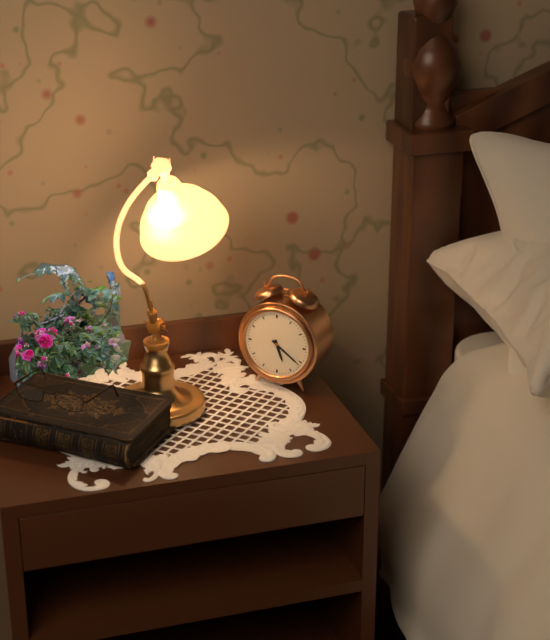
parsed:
5:21
